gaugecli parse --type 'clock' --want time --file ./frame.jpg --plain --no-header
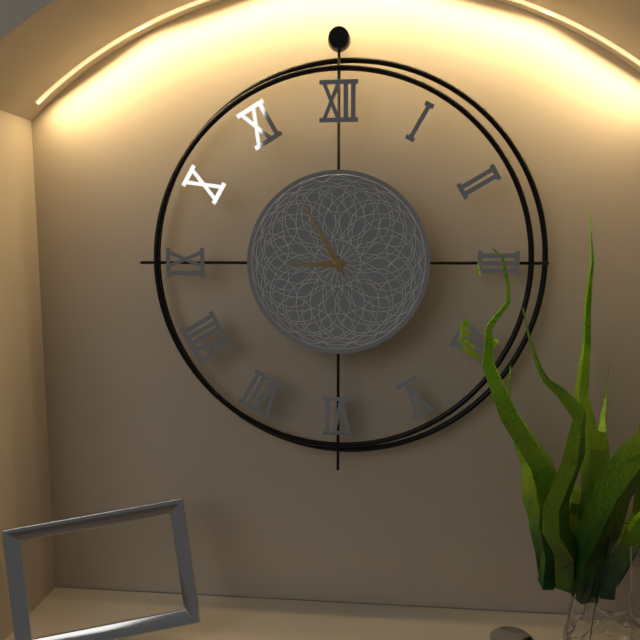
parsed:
8:55
